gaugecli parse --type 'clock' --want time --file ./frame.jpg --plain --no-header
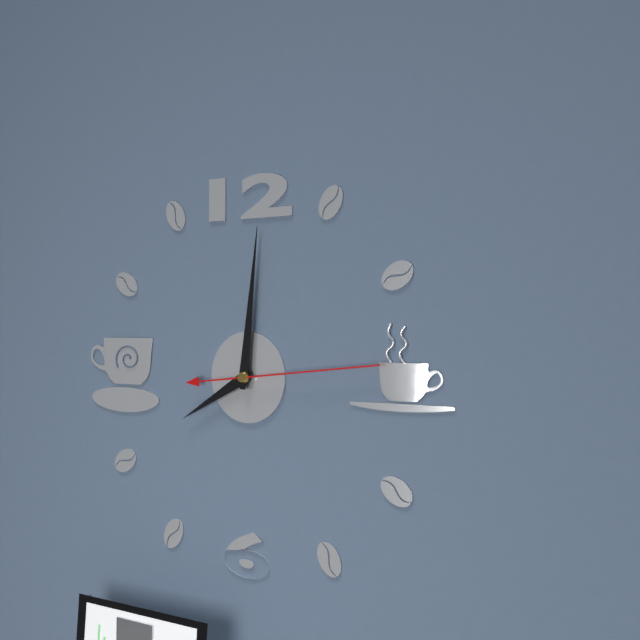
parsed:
8:01:14
